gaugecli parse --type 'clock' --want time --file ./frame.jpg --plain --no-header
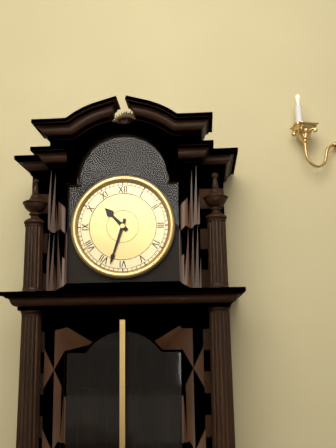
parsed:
10:33
